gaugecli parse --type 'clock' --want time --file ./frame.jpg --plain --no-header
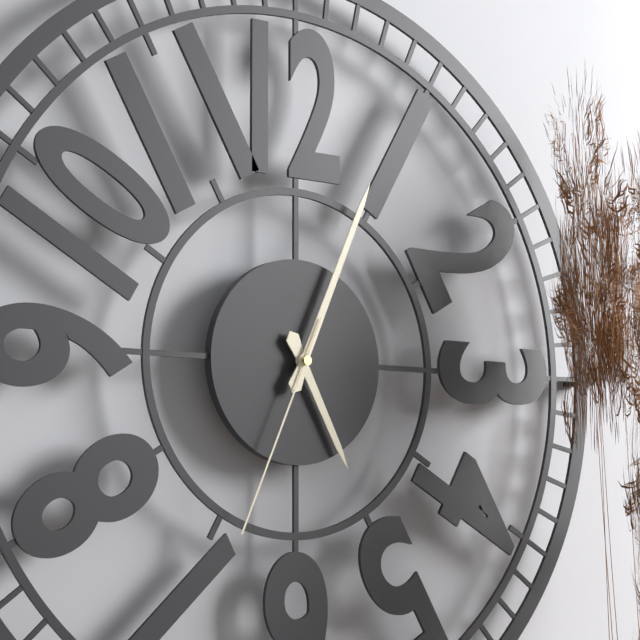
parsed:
5:04:34
